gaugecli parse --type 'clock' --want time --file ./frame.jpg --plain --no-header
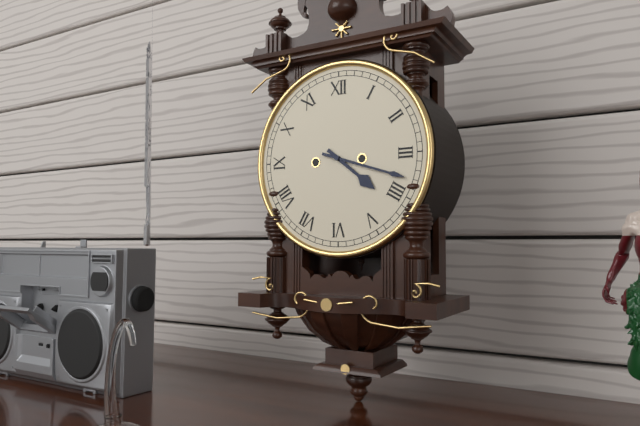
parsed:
4:18
